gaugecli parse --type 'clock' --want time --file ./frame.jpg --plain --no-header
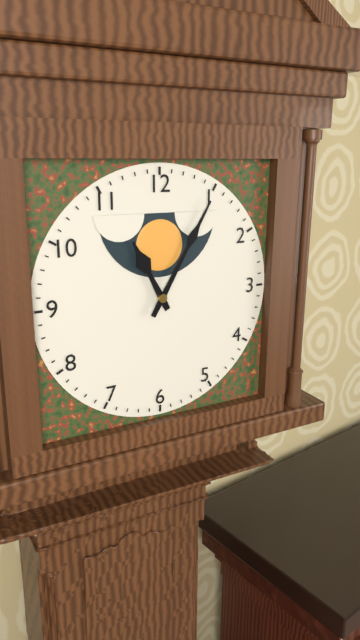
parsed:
11:05
